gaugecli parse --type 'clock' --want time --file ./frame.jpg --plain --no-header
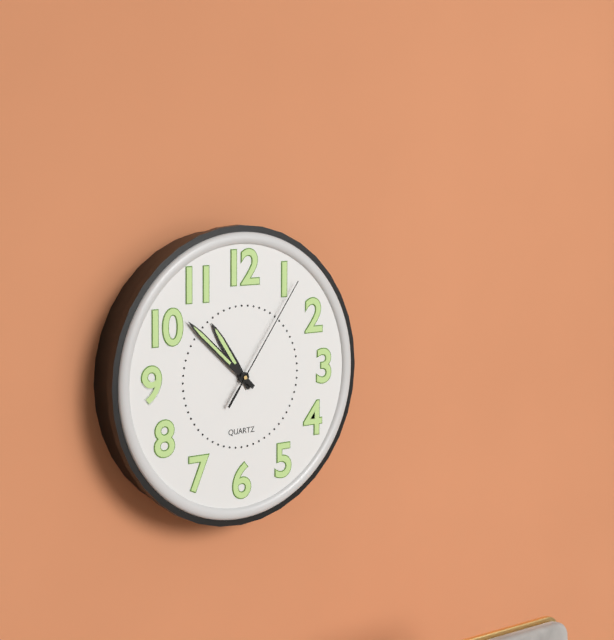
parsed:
10:52:06
